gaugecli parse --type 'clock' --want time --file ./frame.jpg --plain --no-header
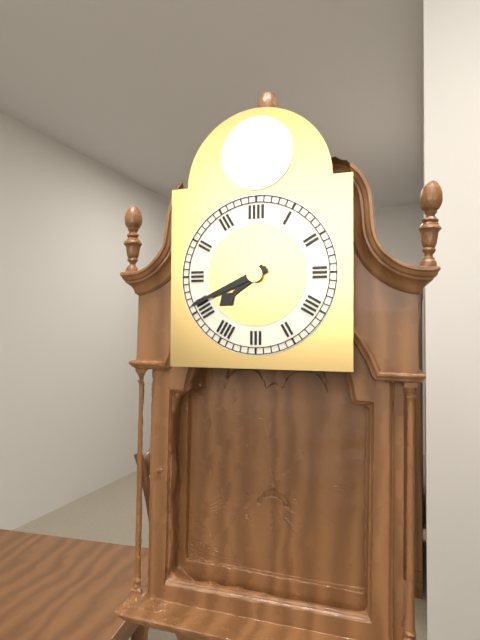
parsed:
7:41
